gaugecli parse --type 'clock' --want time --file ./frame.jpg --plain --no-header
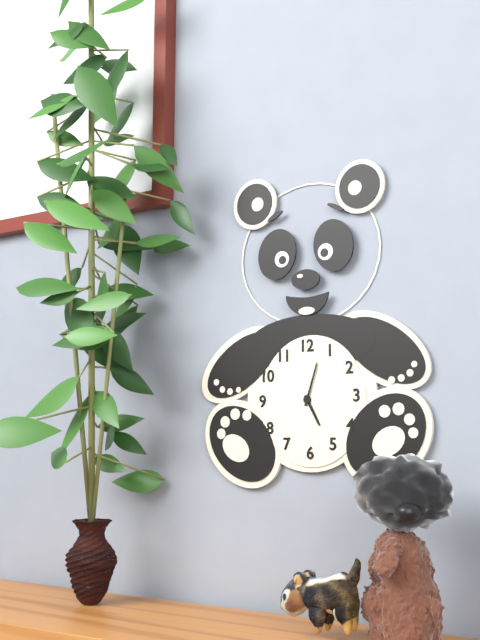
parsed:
5:03
